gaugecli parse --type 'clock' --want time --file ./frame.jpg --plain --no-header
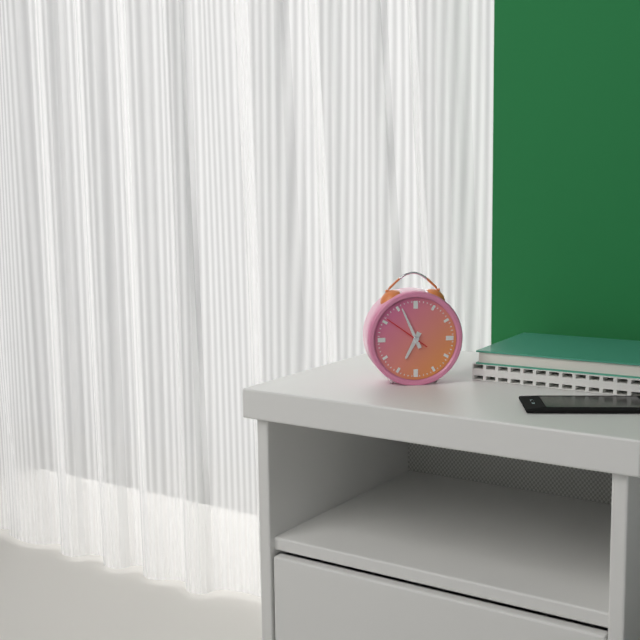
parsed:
6:56
